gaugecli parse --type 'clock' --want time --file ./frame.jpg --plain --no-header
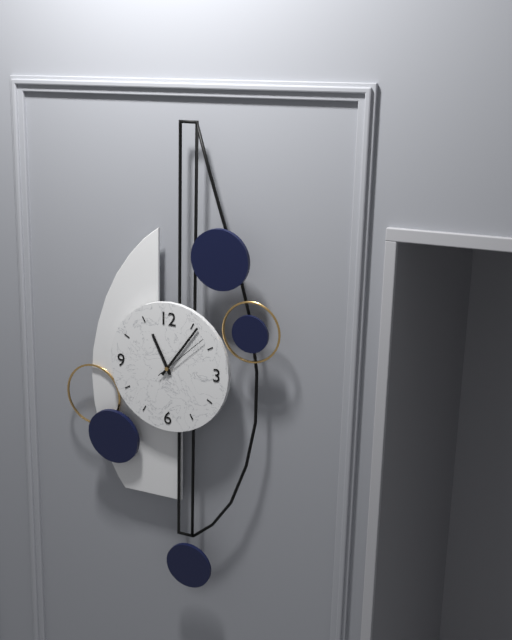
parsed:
11:06
